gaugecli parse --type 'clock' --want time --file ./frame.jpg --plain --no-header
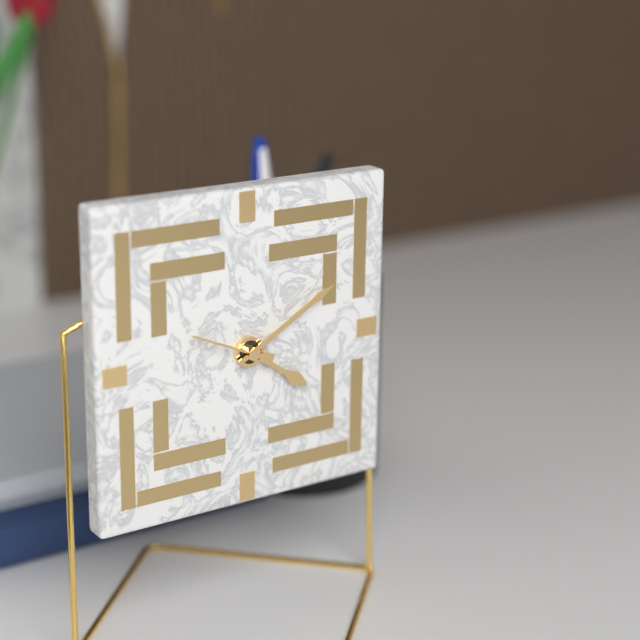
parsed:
4:10:49
